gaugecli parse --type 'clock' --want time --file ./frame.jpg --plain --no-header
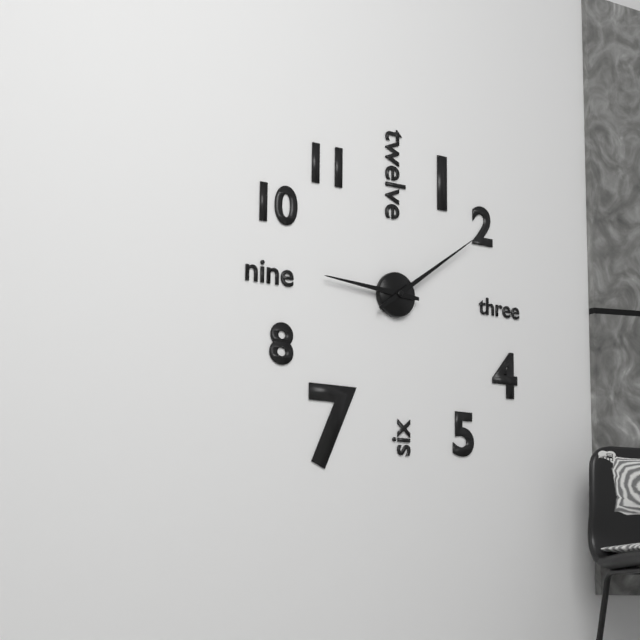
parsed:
9:09
